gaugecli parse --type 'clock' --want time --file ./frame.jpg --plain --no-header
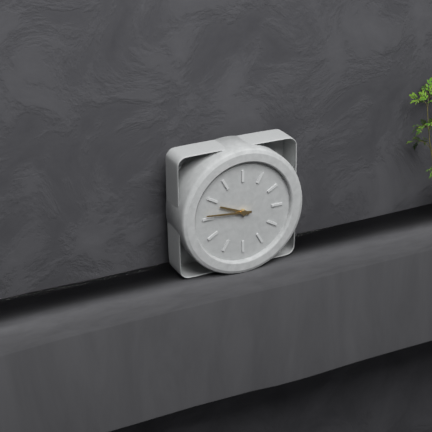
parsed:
9:46
